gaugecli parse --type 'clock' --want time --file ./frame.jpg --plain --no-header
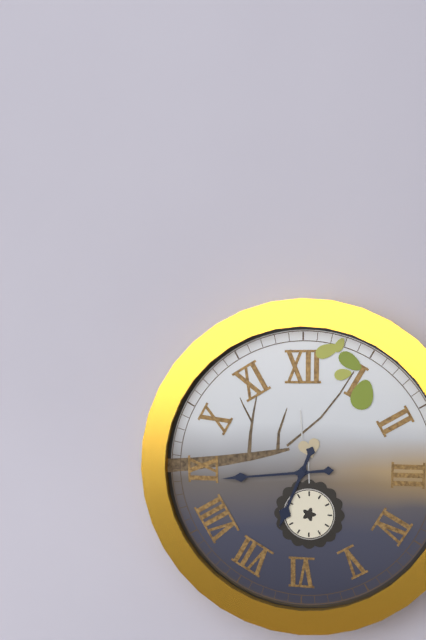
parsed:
6:44
